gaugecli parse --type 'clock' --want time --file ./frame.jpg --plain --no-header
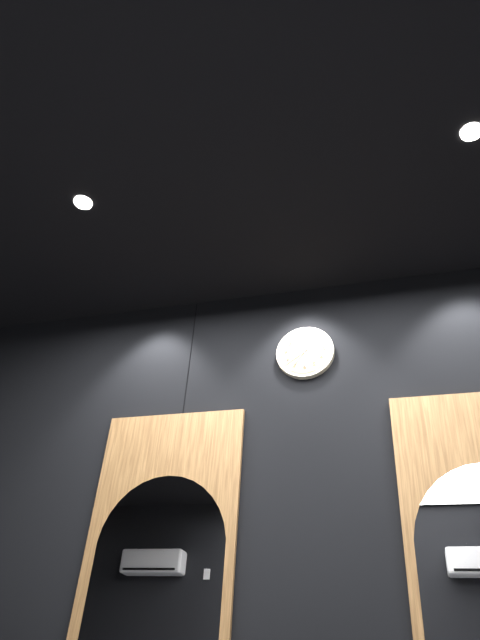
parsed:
5:39
